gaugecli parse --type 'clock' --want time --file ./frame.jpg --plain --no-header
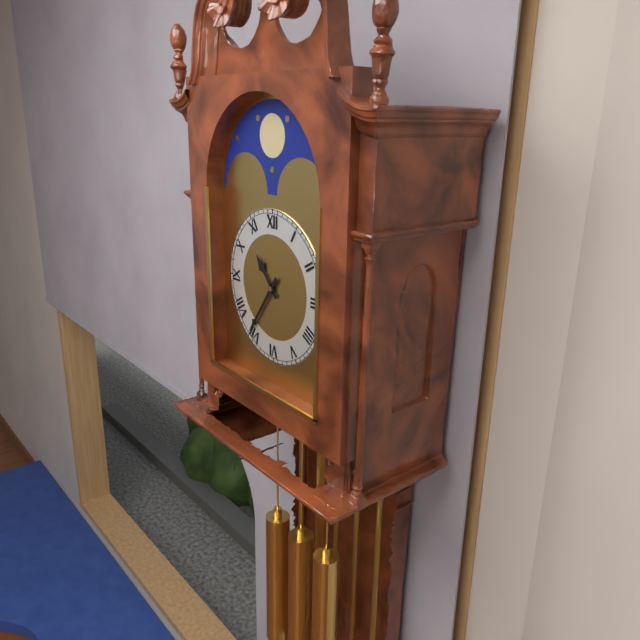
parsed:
10:36
